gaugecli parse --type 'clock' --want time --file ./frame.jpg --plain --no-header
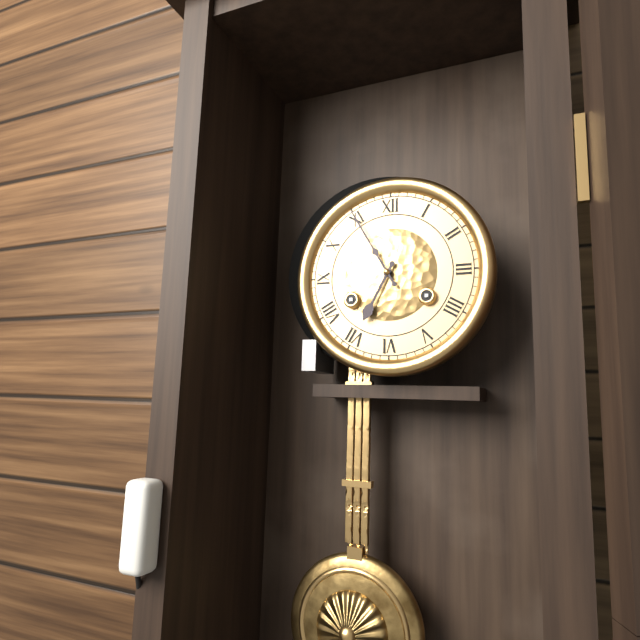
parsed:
6:55
